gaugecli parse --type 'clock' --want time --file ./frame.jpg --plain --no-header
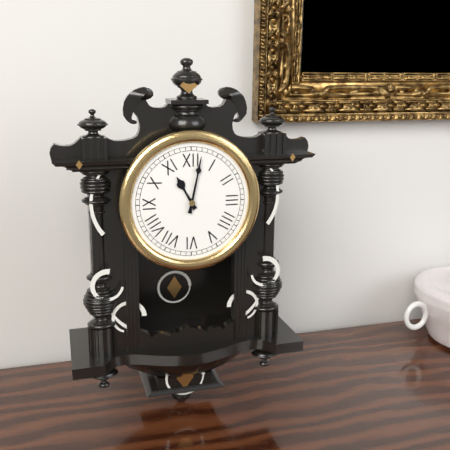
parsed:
11:02
